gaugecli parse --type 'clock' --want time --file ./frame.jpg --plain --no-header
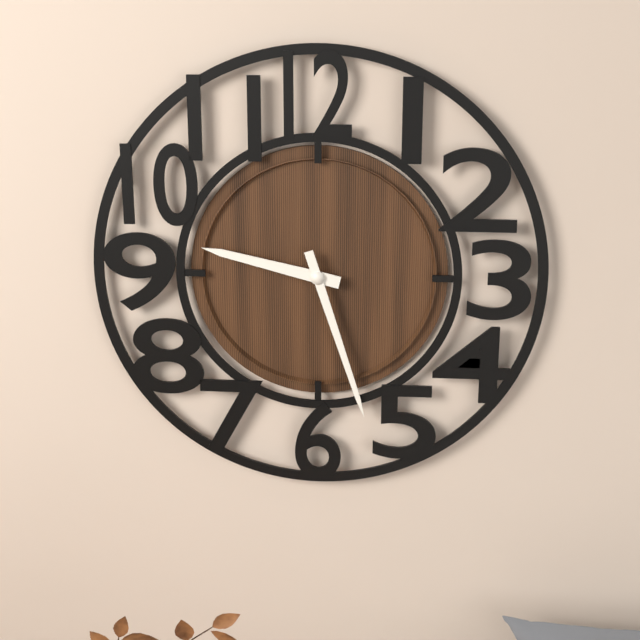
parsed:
9:27
